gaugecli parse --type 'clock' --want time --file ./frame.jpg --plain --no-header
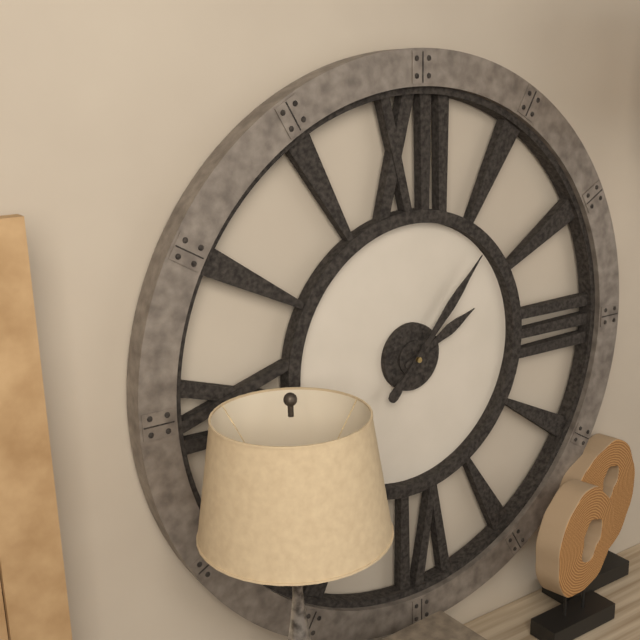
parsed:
2:07
